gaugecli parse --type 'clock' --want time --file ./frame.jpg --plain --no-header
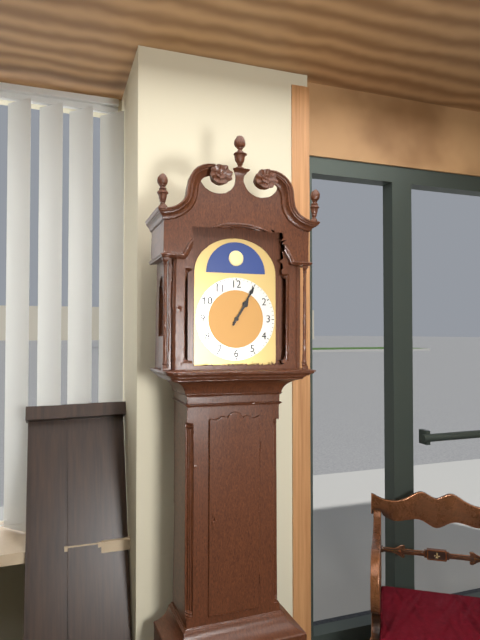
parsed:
1:05
